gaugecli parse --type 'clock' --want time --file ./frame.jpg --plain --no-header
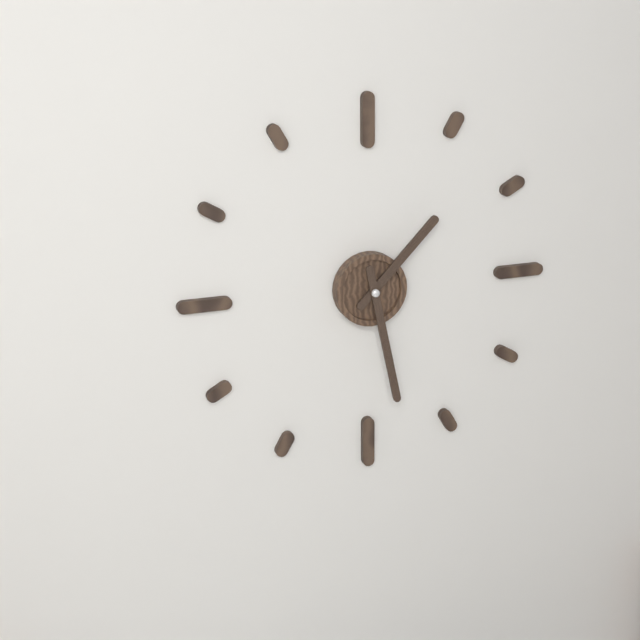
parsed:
1:28
